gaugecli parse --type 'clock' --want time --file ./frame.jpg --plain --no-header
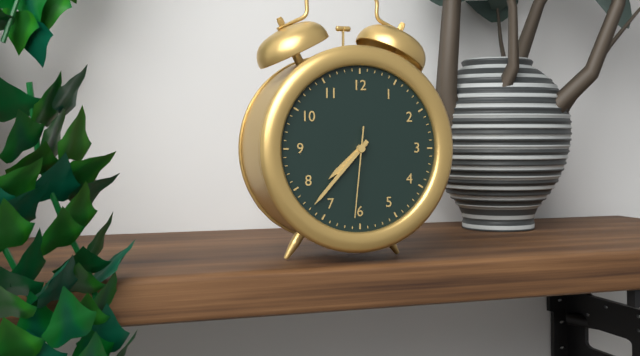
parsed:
7:37:31
